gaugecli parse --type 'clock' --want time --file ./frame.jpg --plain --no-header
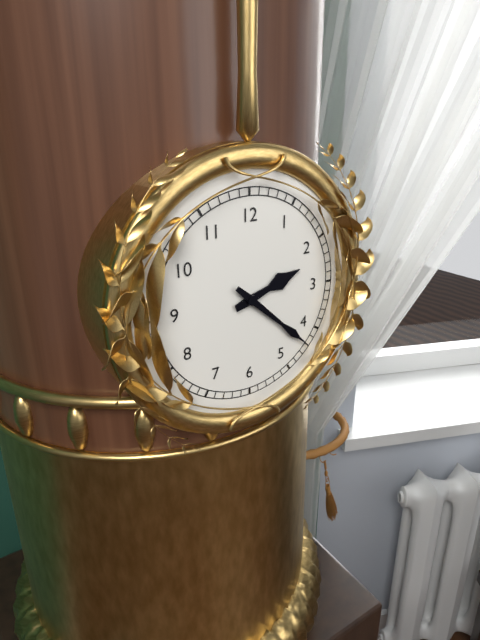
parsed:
2:22
